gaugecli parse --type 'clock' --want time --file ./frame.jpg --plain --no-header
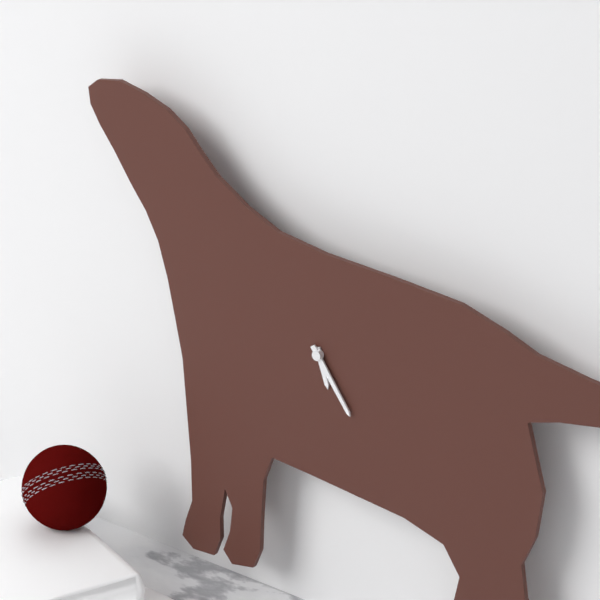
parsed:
5:24
